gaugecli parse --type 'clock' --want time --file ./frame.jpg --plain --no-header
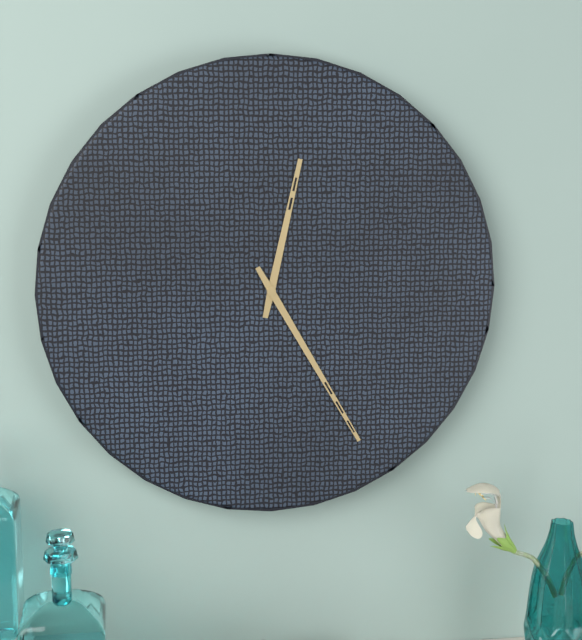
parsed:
12:25
